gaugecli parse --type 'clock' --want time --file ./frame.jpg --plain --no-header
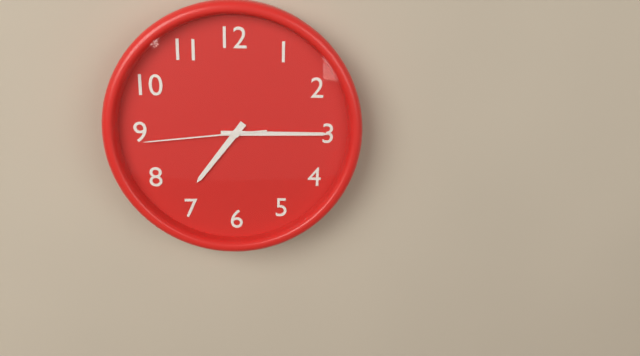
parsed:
7:15:44
